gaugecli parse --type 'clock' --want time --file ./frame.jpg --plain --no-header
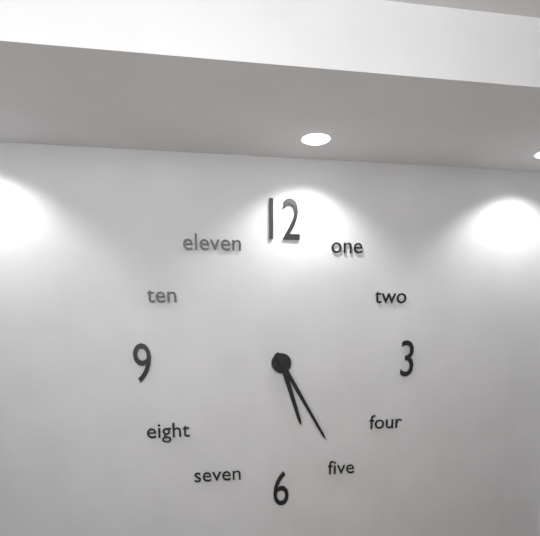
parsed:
5:25
